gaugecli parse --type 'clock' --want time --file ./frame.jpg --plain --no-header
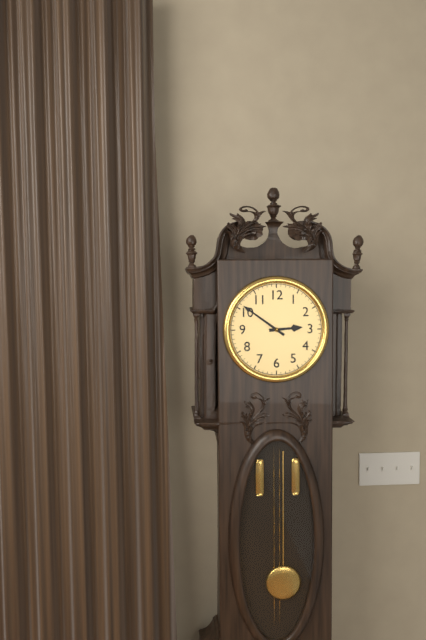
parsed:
2:51
